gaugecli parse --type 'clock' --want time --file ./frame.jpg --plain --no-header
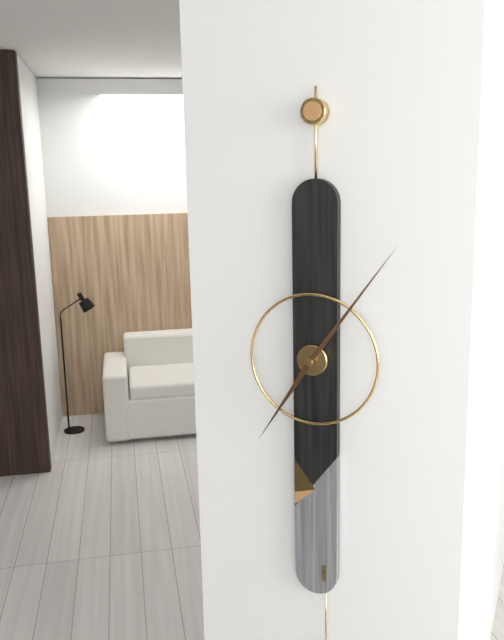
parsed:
7:06
